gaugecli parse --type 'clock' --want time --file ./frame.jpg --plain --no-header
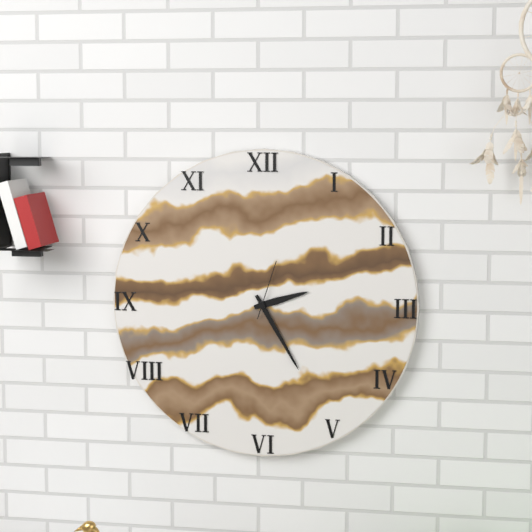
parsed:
2:25:03
